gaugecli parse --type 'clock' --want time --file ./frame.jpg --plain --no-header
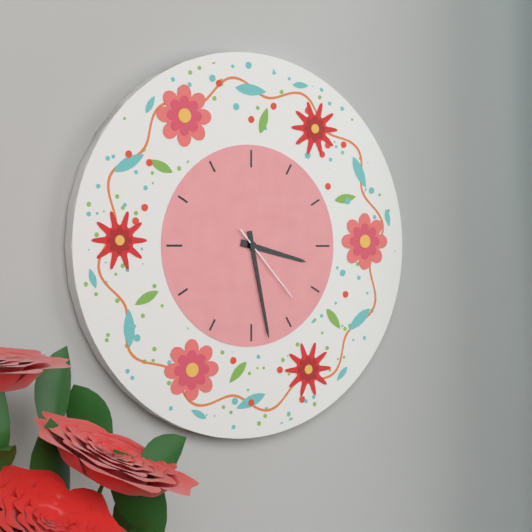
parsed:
3:28:23
